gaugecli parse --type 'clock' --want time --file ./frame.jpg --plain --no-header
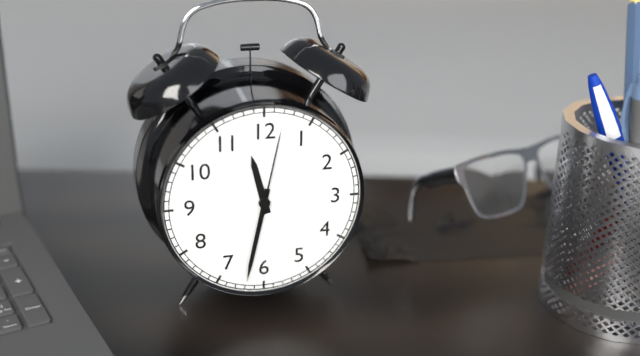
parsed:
11:32:02
